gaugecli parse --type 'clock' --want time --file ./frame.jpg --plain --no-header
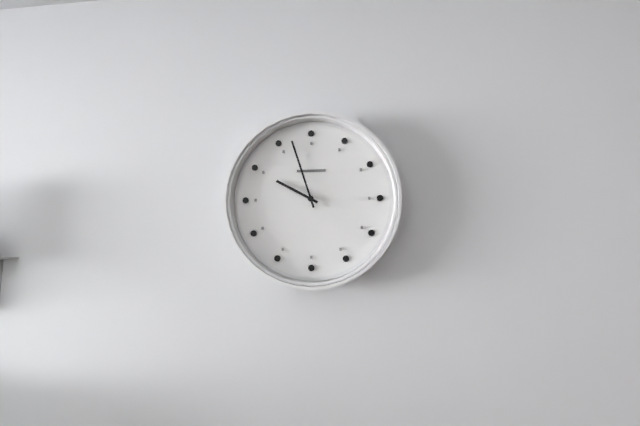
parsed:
9:57
